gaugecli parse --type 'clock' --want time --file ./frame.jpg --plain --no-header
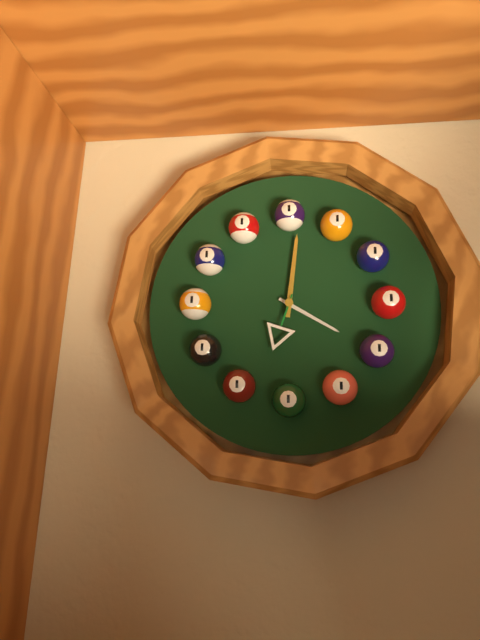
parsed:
4:01:33
